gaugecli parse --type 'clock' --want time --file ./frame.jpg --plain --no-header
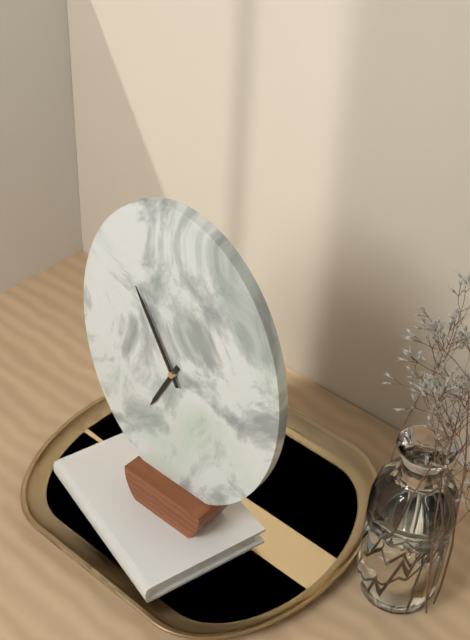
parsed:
6:55
